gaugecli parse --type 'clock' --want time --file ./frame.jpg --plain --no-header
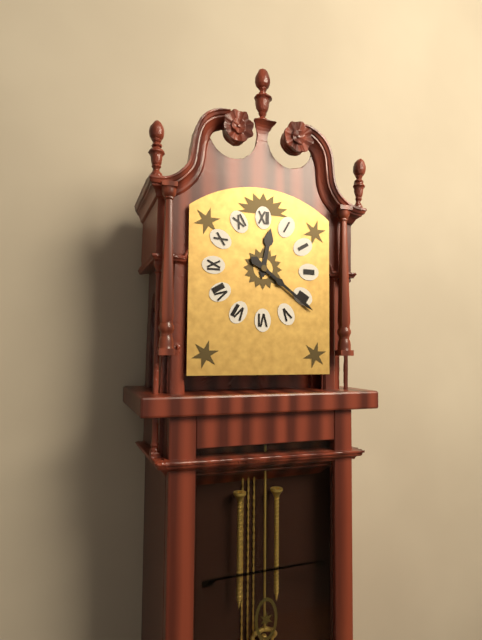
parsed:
12:21
